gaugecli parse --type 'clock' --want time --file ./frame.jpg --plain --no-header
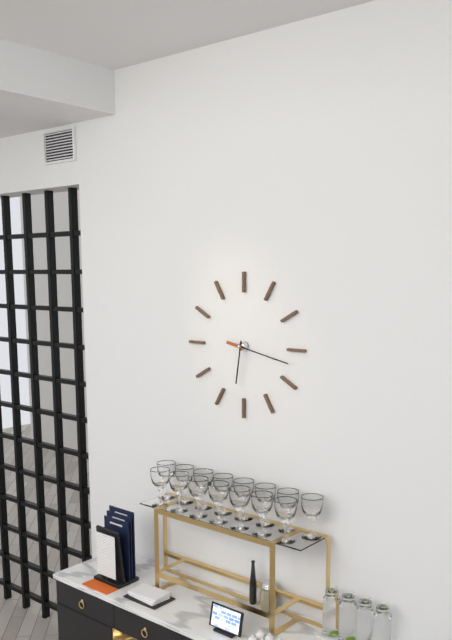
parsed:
6:17
